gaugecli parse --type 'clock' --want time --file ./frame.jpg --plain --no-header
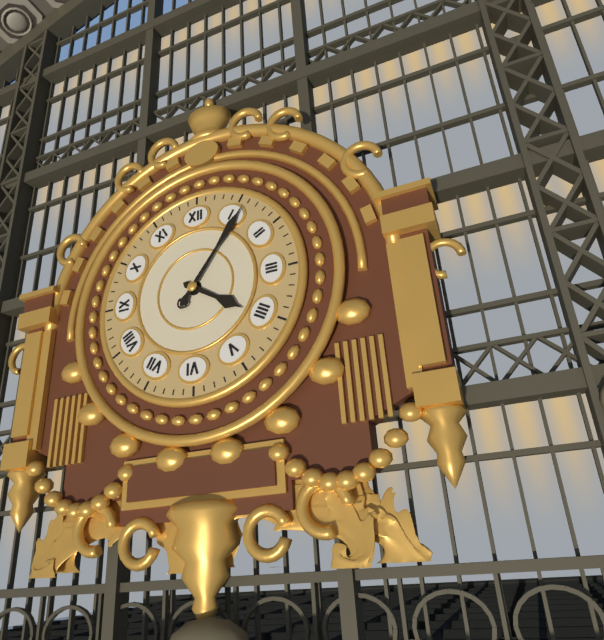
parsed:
4:06
